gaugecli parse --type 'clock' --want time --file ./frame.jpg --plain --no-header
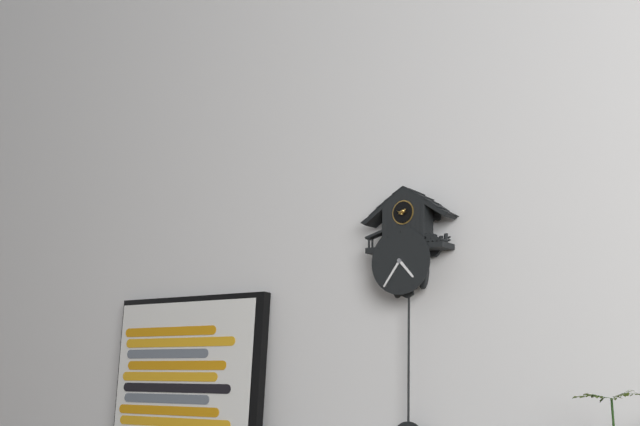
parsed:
4:36
